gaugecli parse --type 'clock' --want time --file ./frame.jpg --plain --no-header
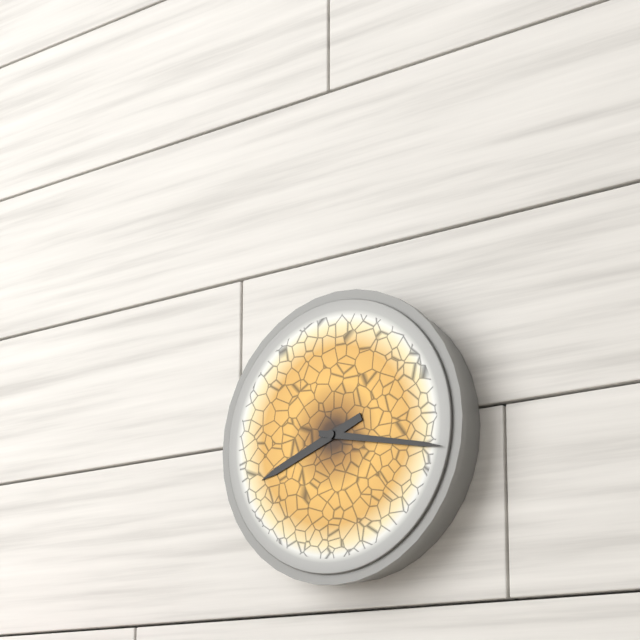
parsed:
8:17
